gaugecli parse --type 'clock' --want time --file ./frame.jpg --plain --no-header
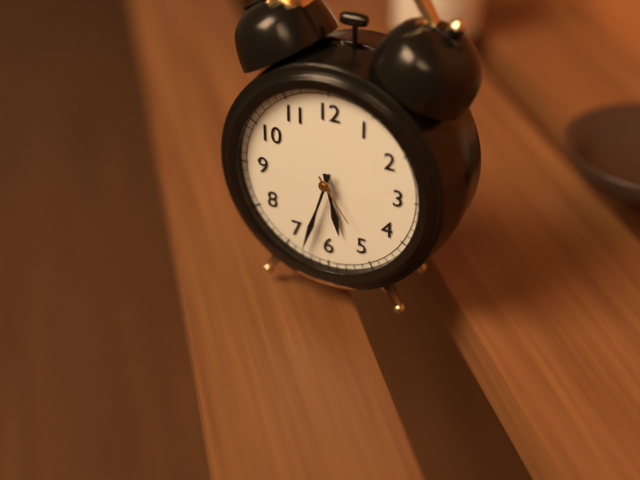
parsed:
5:33:24
